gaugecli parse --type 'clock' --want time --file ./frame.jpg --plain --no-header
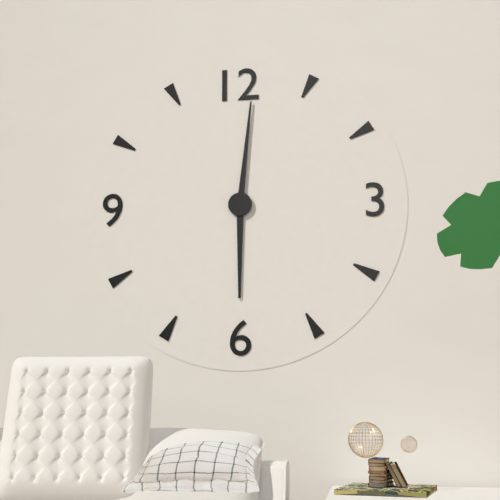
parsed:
6:01
